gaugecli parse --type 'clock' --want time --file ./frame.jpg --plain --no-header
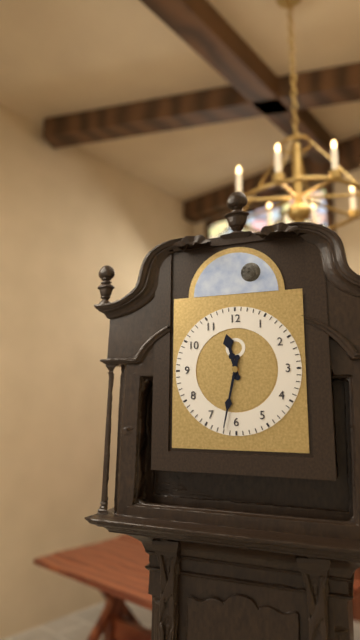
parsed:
11:32
